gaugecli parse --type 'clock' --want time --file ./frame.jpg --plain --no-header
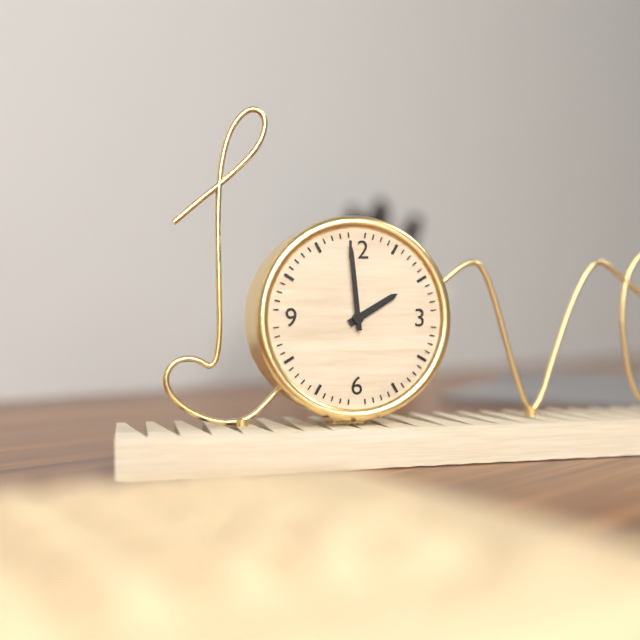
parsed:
1:59
